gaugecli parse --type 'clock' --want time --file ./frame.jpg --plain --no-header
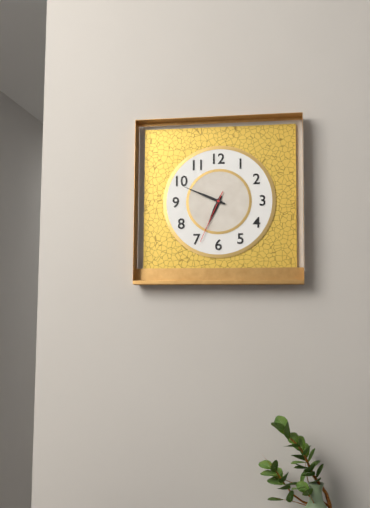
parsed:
6:49:34
